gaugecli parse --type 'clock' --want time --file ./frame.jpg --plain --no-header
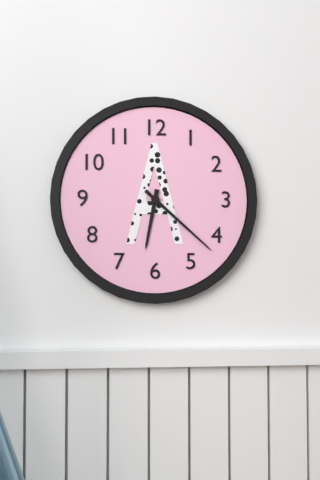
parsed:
6:22
